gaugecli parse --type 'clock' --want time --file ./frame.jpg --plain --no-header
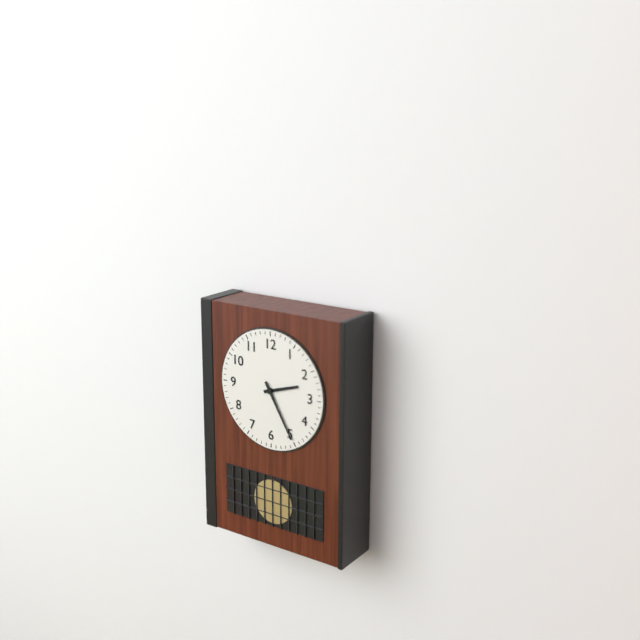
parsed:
2:25
